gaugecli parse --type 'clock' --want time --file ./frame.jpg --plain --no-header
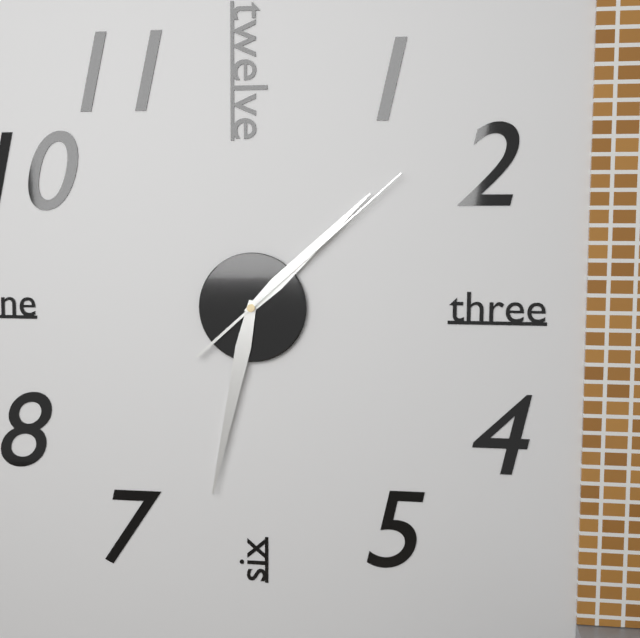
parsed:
1:32:08
